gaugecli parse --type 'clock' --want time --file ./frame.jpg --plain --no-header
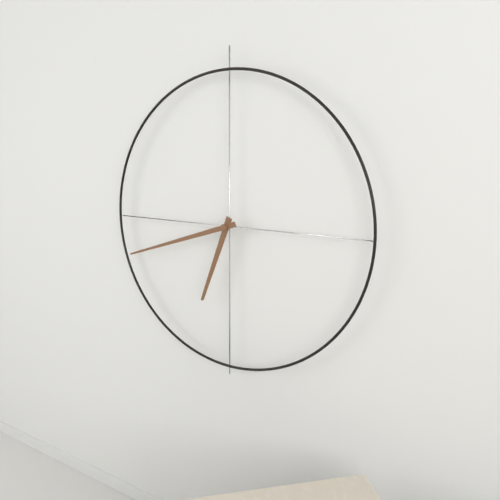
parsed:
6:42
